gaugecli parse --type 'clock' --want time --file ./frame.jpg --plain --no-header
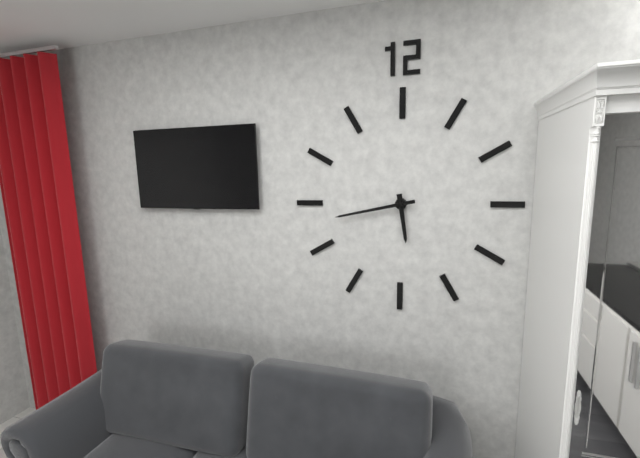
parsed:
5:43
